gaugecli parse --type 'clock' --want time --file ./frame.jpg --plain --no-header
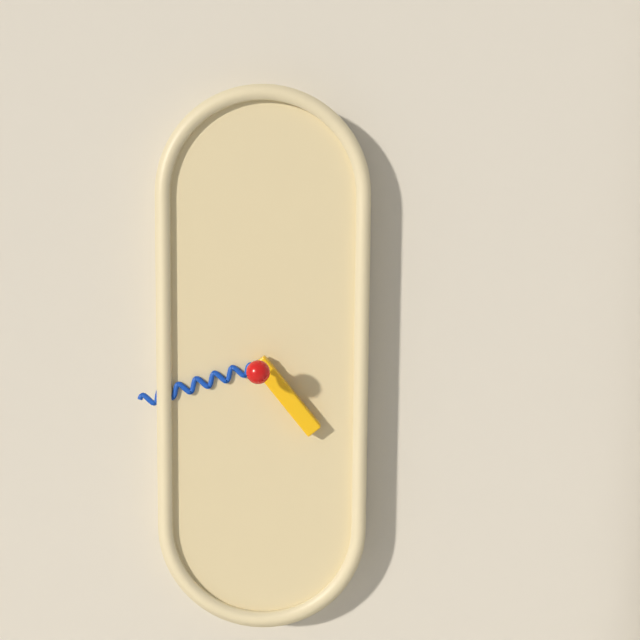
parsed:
4:42
